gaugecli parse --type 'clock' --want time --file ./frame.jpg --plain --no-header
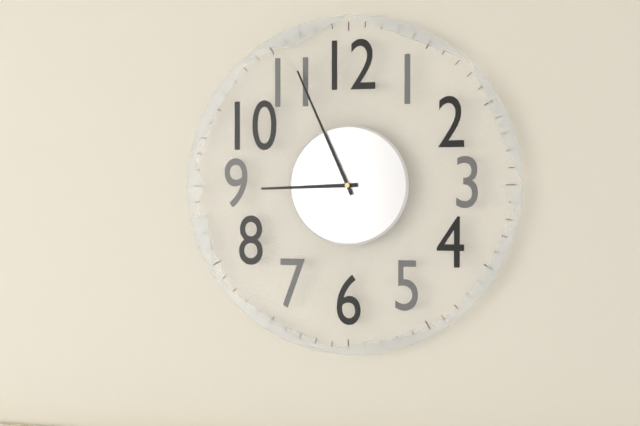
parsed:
8:56
